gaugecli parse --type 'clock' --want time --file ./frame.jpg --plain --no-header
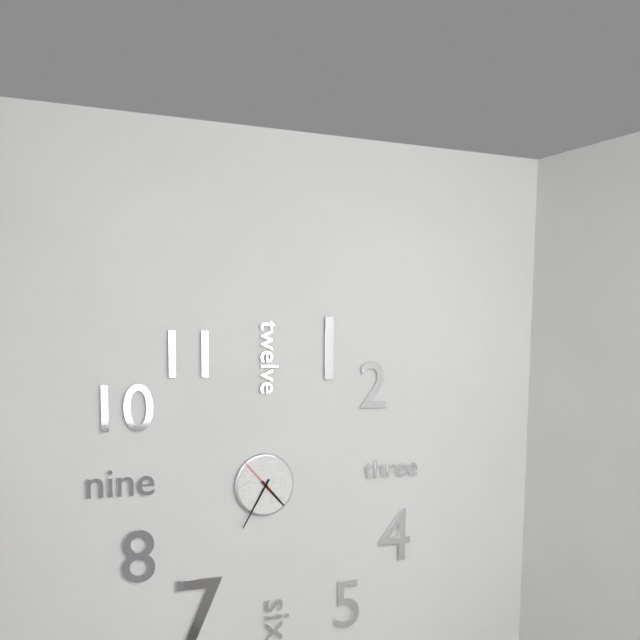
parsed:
4:35
